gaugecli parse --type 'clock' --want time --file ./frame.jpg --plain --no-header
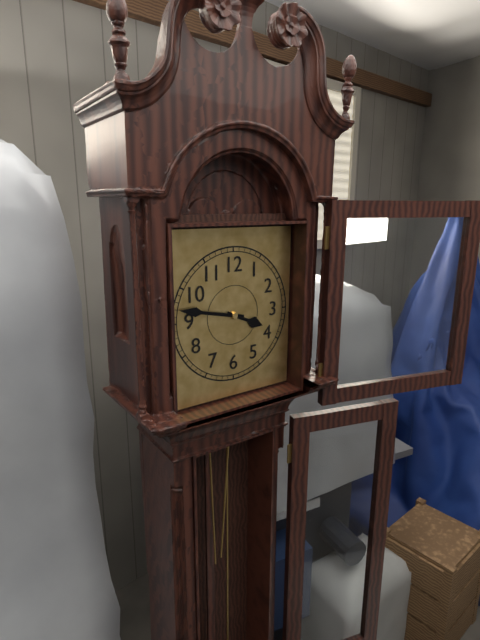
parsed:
3:47
